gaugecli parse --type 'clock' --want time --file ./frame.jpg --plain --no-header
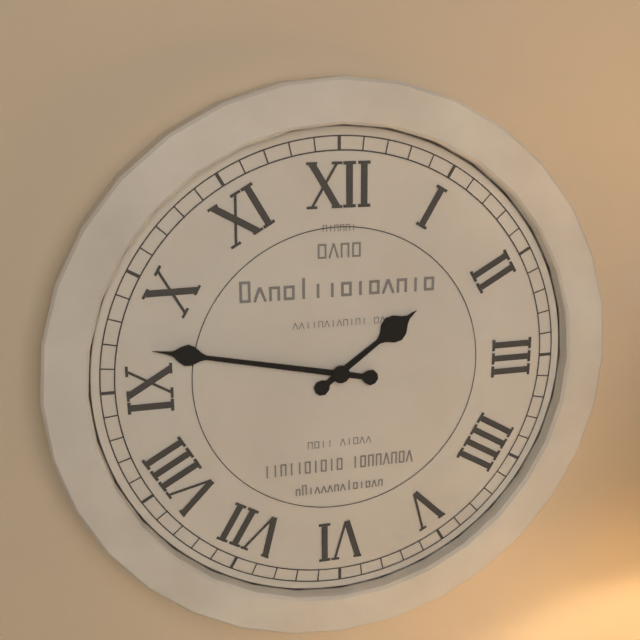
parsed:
1:47
